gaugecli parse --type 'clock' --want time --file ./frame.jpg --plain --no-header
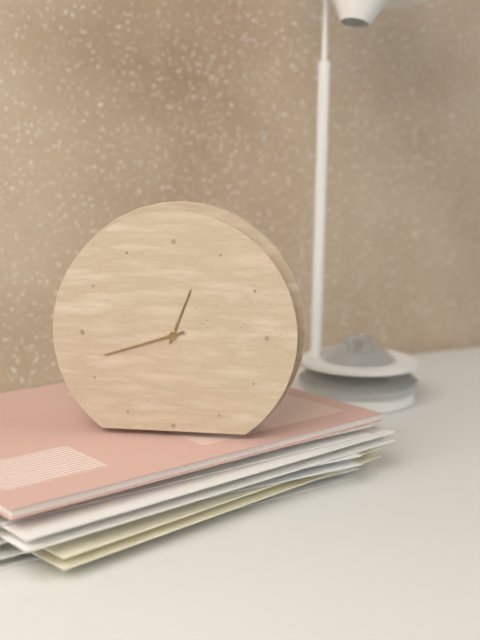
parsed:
12:42
